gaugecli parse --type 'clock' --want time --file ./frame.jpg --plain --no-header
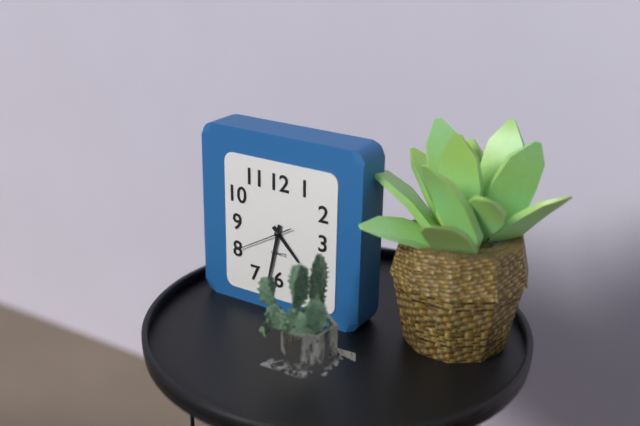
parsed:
4:32:40
